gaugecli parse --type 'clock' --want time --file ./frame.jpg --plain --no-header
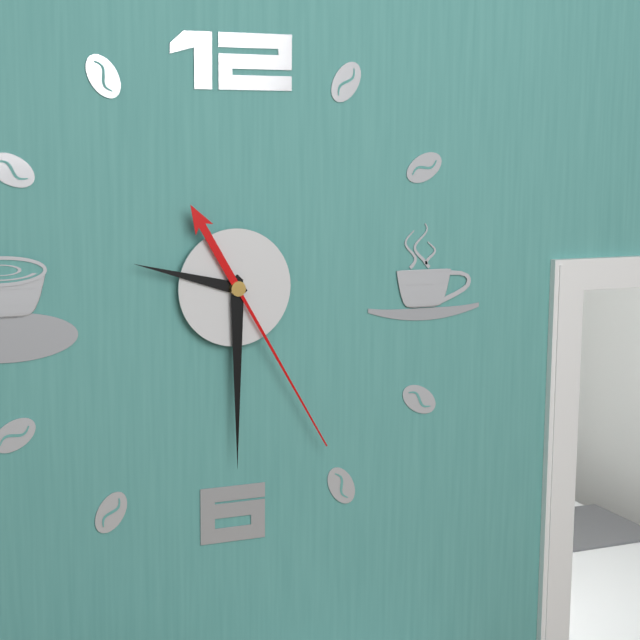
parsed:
9:30:25
